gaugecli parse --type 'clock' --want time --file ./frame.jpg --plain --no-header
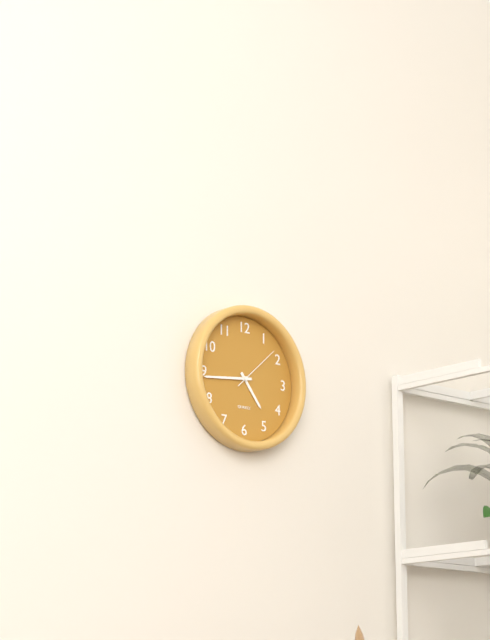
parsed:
4:44
